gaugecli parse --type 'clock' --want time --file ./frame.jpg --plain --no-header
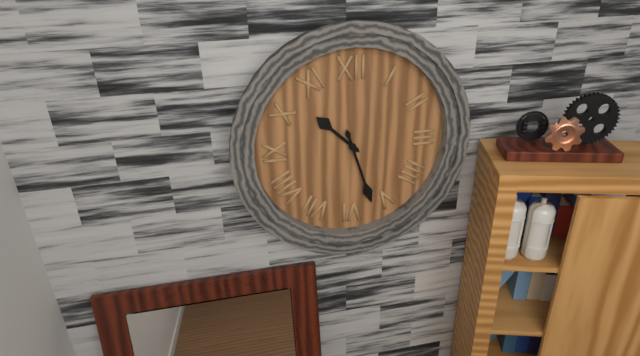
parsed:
10:27
